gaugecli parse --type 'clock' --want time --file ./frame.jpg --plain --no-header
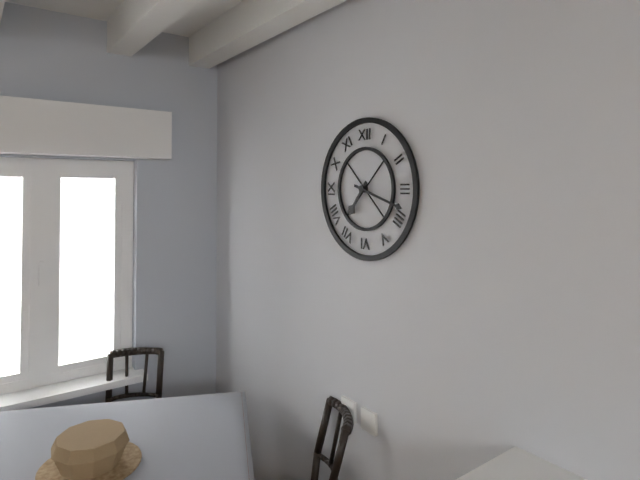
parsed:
7:18
